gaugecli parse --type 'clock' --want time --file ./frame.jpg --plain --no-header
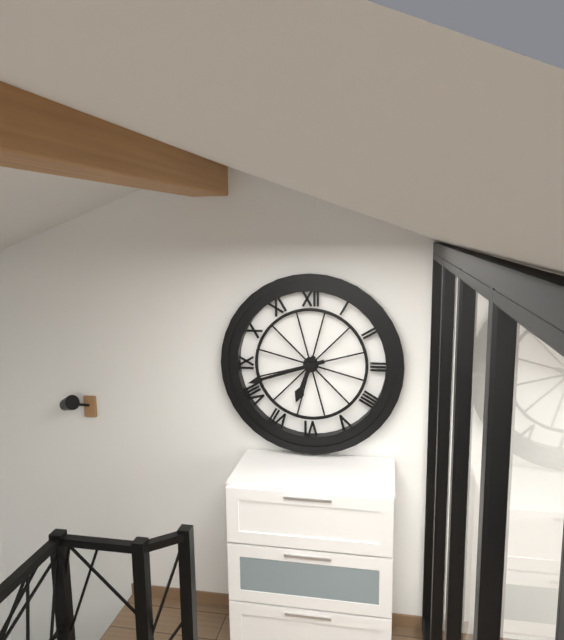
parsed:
6:42
